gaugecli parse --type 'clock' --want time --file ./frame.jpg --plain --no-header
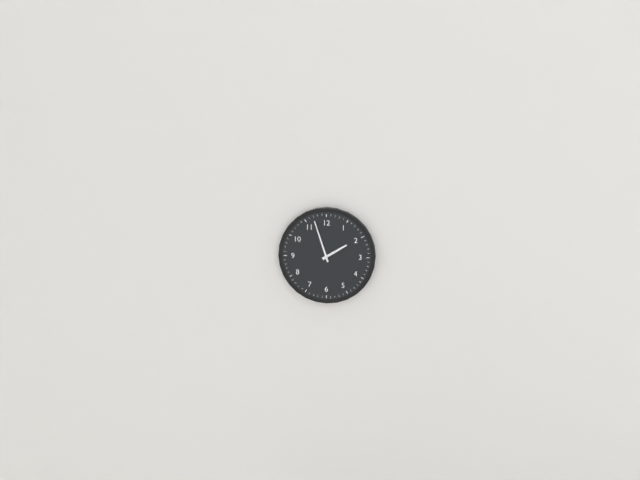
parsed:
1:57
